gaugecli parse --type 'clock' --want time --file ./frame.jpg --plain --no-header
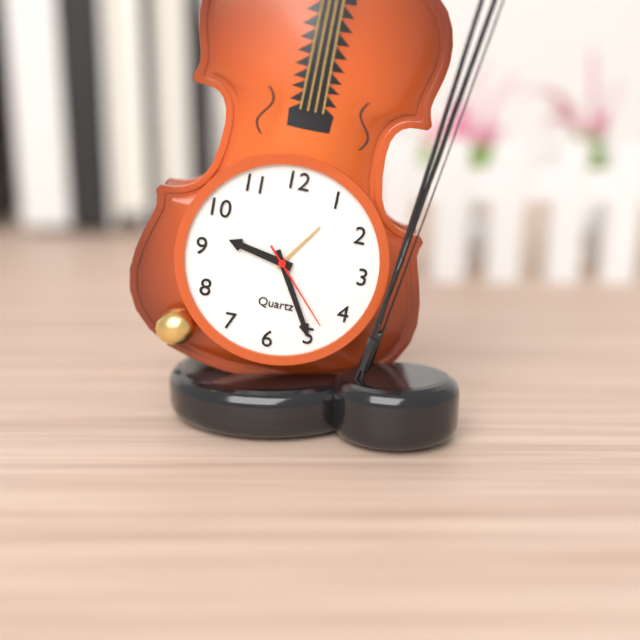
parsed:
9:25:23
